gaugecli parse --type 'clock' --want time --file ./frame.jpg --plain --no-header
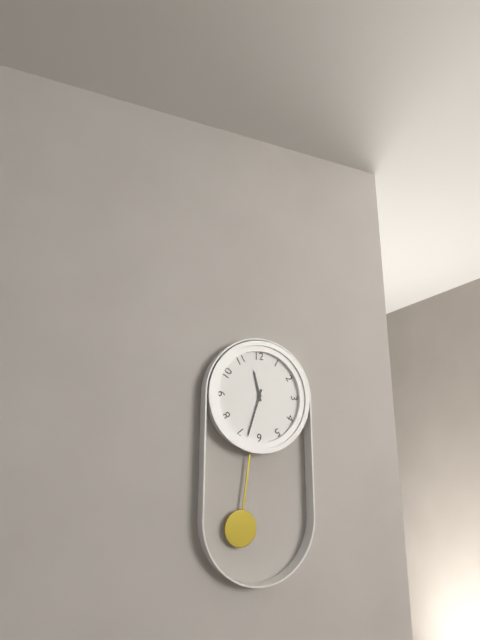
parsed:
11:33
